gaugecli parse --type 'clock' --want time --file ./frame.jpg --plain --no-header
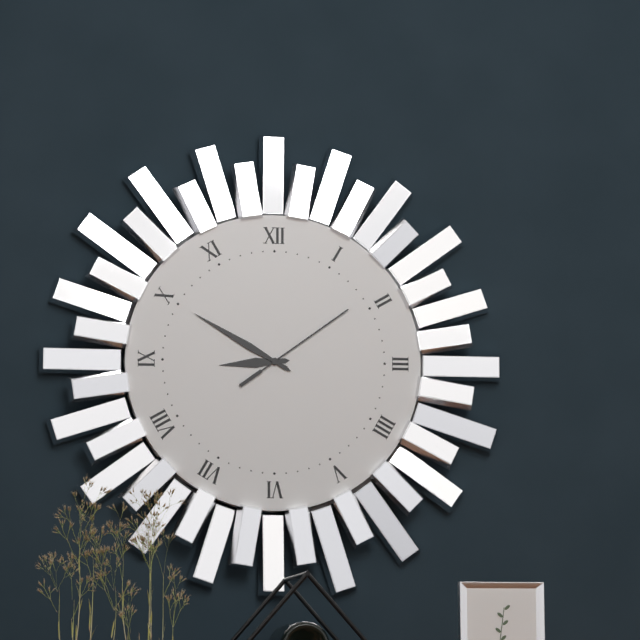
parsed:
8:50:09
